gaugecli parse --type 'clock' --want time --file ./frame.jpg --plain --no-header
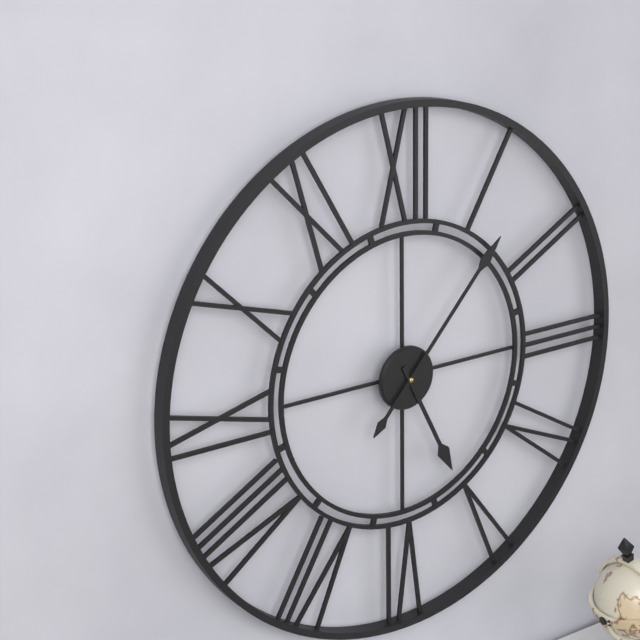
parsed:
5:07
